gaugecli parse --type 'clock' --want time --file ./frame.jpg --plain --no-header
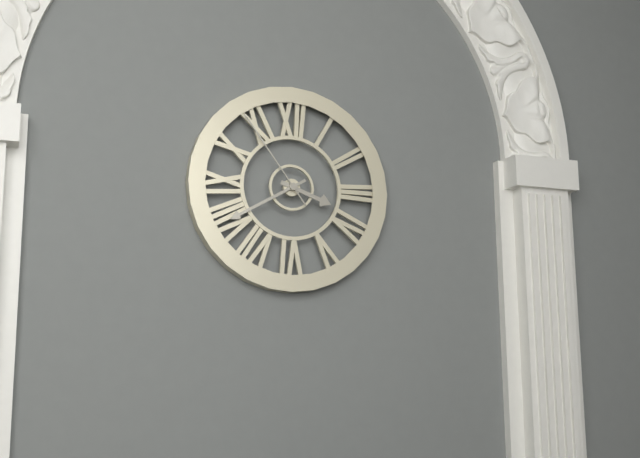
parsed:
3:40:54
